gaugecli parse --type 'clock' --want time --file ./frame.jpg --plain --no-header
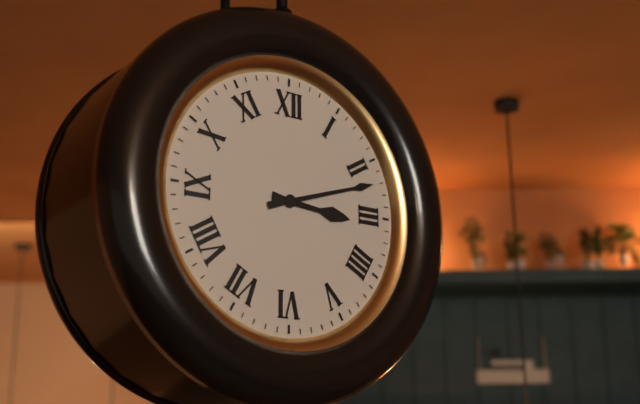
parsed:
3:12
